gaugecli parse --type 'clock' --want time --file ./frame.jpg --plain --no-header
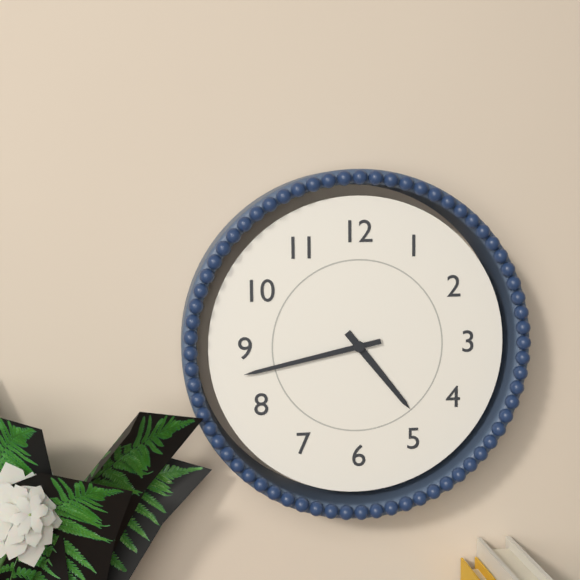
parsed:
4:43
